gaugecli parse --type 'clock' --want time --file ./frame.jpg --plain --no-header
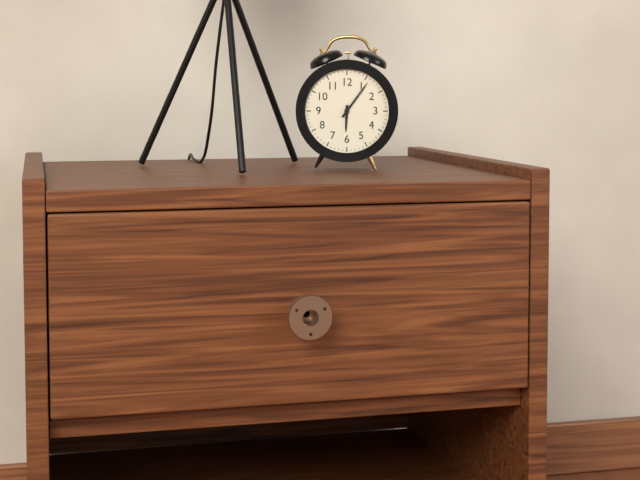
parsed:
6:06
